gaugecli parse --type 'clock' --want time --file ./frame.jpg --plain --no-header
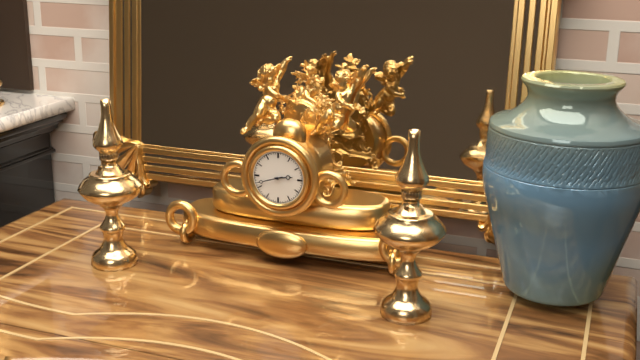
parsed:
2:42
